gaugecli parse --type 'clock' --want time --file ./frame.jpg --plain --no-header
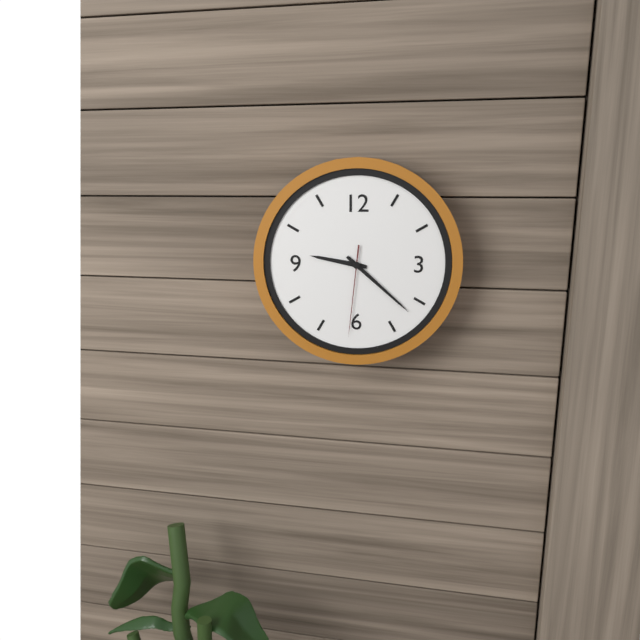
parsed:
9:22:31
